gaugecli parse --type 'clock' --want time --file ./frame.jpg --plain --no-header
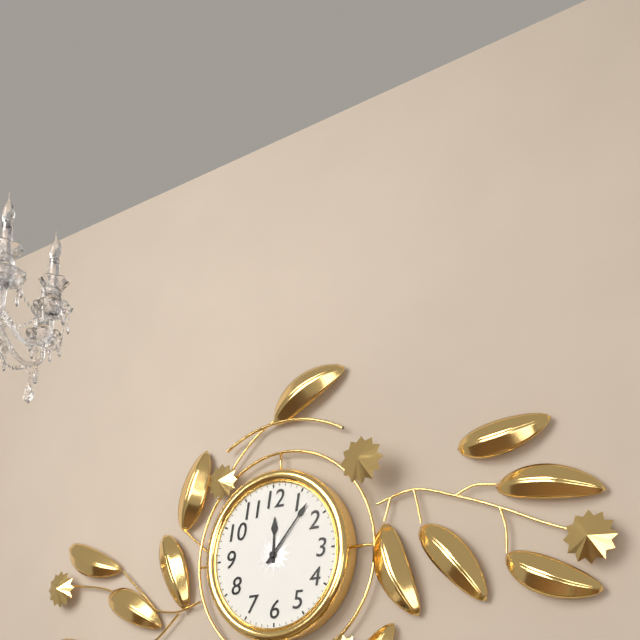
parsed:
12:07
